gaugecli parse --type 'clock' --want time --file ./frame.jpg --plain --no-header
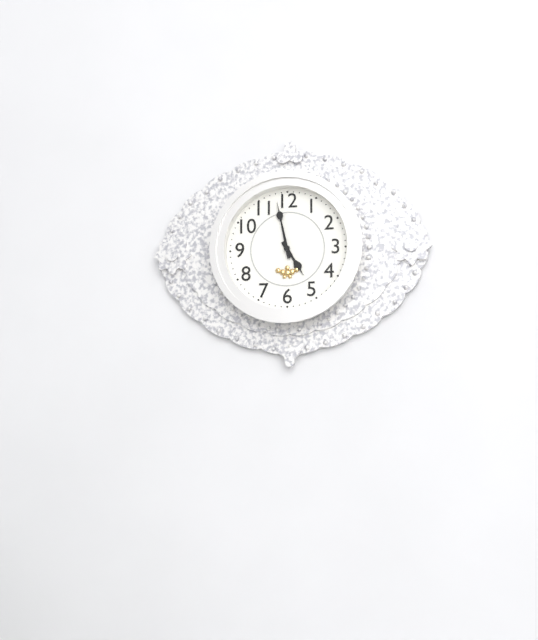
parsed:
4:58
